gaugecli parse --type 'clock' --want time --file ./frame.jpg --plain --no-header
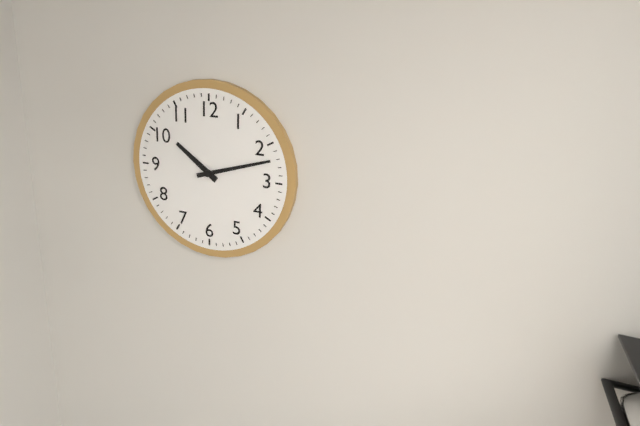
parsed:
10:12
